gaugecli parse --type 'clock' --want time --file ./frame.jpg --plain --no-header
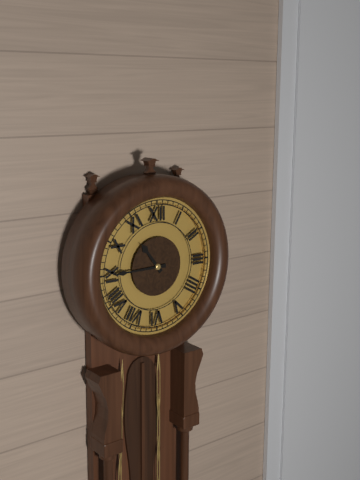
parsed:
10:45
